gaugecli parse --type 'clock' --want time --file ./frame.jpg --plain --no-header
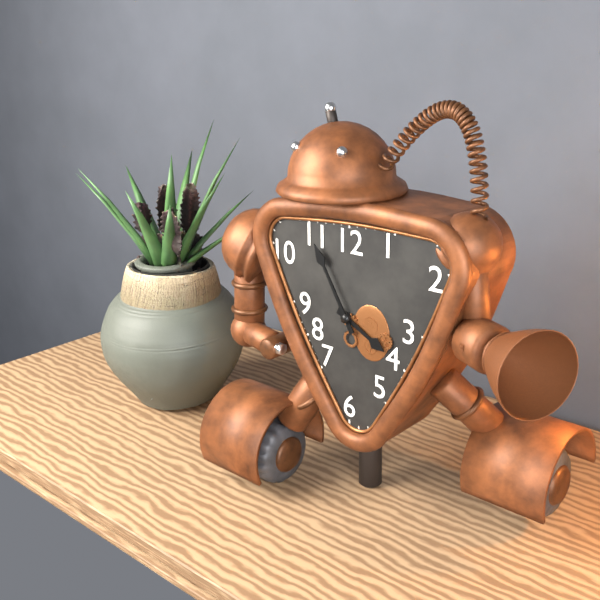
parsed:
3:55
